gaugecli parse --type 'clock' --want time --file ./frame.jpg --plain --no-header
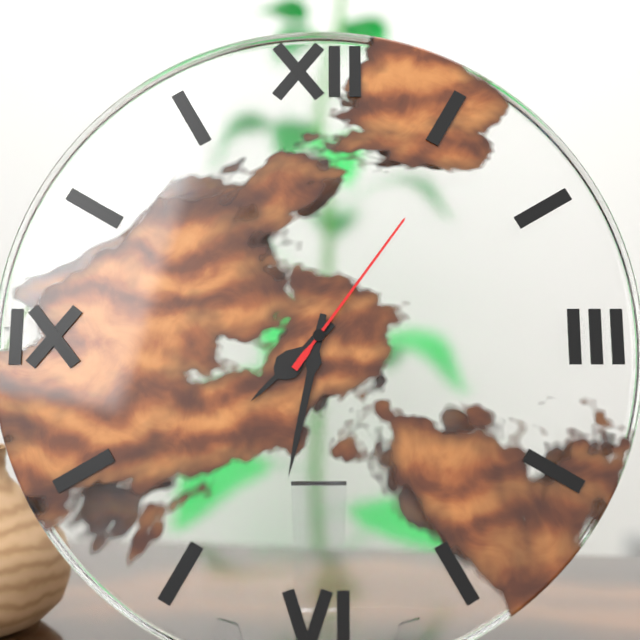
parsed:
7:32:06
